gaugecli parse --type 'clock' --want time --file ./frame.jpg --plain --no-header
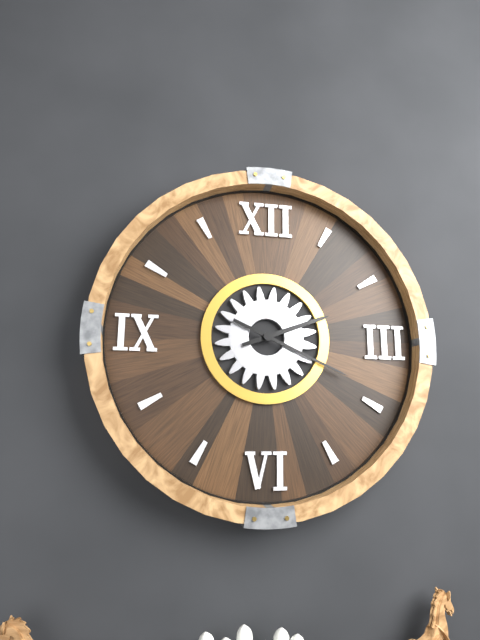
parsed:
2:19
